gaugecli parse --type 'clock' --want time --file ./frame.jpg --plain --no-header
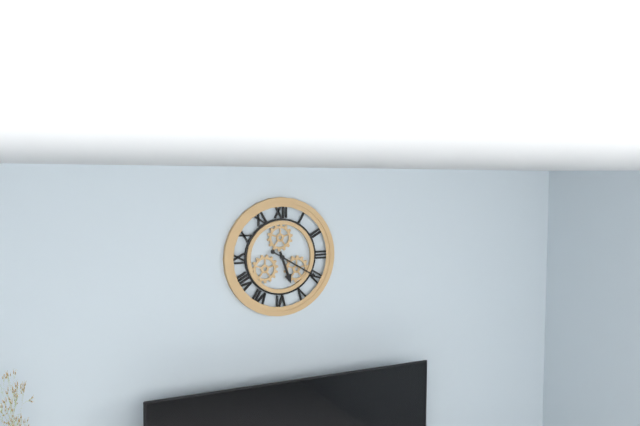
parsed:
5:20
